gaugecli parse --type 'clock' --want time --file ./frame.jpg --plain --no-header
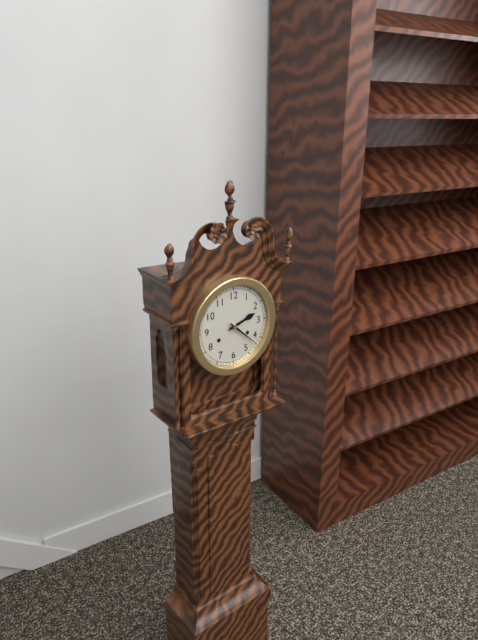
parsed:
2:22
